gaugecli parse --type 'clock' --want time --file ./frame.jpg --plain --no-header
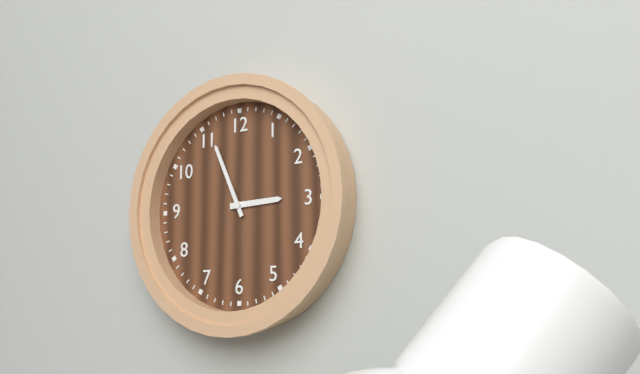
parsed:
2:56
